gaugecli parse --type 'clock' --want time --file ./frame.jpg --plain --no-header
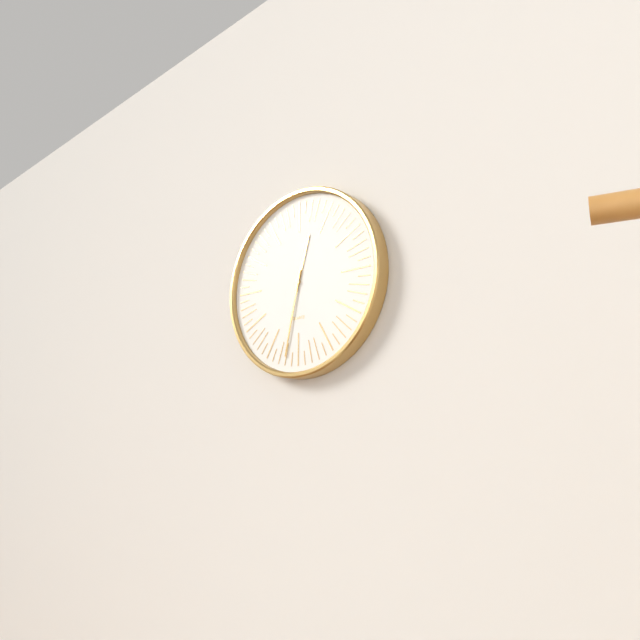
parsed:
12:32
